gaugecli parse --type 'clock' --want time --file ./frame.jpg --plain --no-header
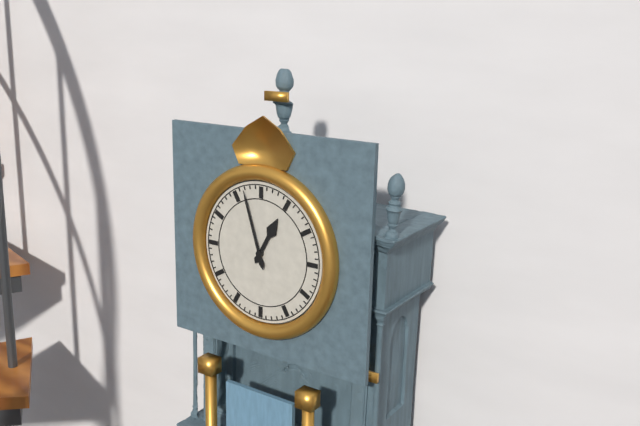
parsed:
12:57
